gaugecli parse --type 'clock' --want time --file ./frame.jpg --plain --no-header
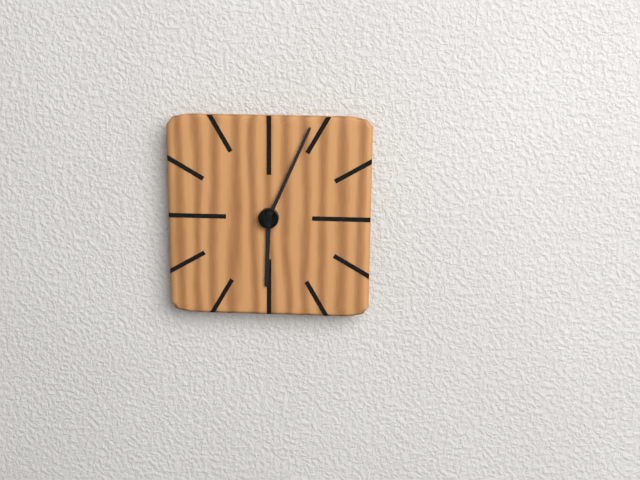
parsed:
6:04
